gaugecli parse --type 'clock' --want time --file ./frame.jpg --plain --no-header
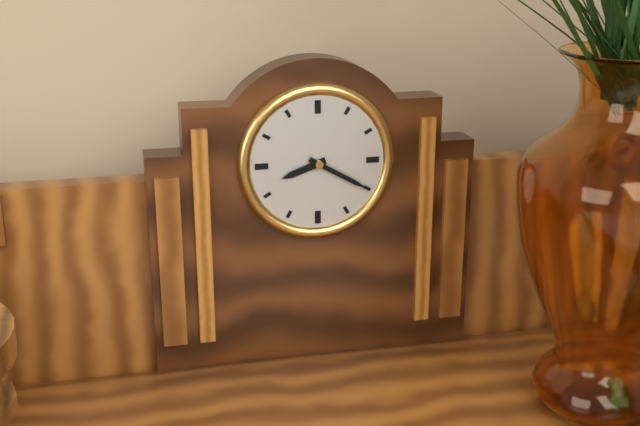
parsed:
8:20
